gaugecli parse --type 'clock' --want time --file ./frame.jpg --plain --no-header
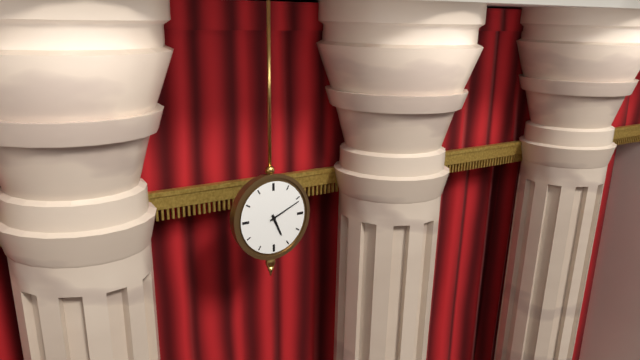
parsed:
5:11
